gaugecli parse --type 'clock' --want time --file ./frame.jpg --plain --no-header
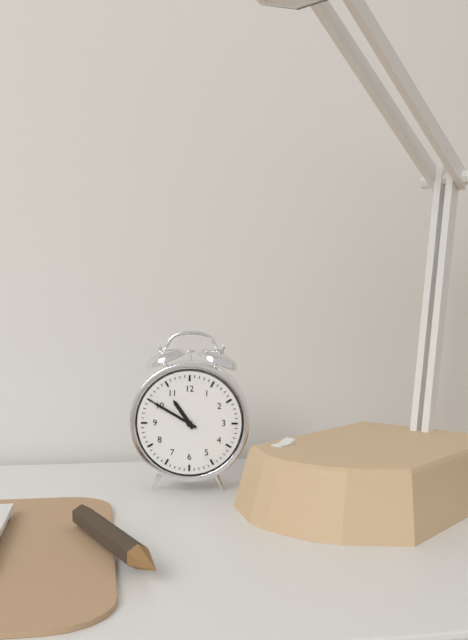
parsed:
10:50
